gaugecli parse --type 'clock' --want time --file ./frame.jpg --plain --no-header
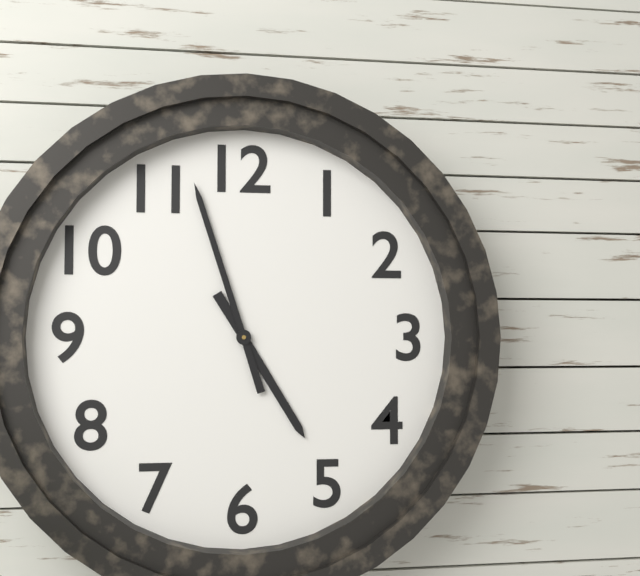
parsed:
4:57
